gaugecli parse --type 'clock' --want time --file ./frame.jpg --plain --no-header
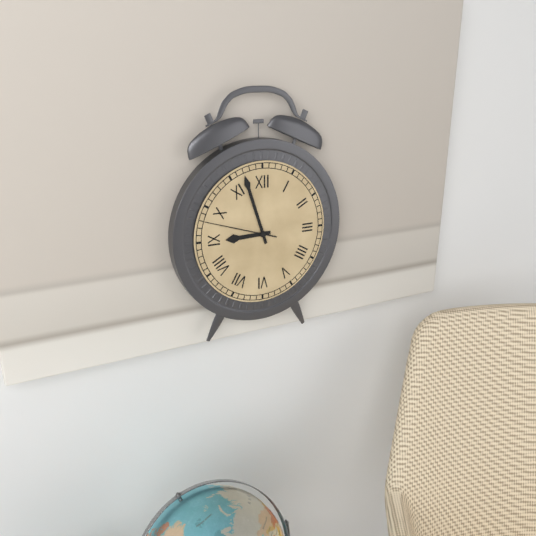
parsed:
8:57:48
